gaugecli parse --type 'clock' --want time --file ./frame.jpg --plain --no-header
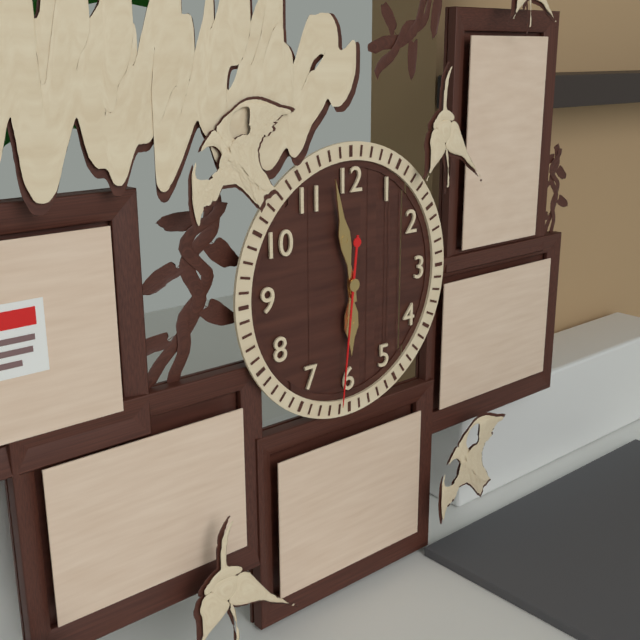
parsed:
5:58:31
